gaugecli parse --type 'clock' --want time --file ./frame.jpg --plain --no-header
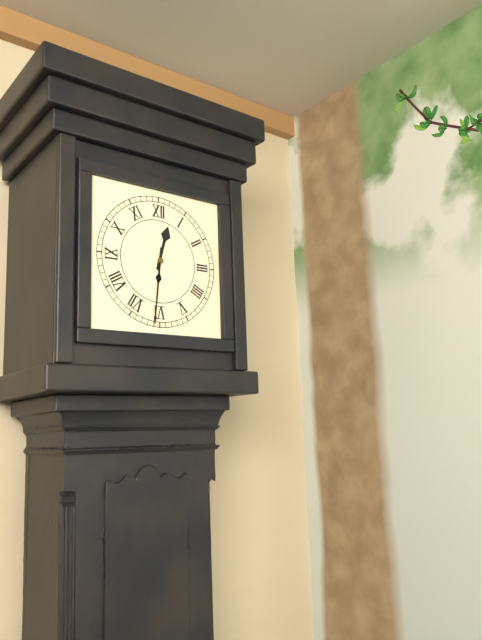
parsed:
12:31
